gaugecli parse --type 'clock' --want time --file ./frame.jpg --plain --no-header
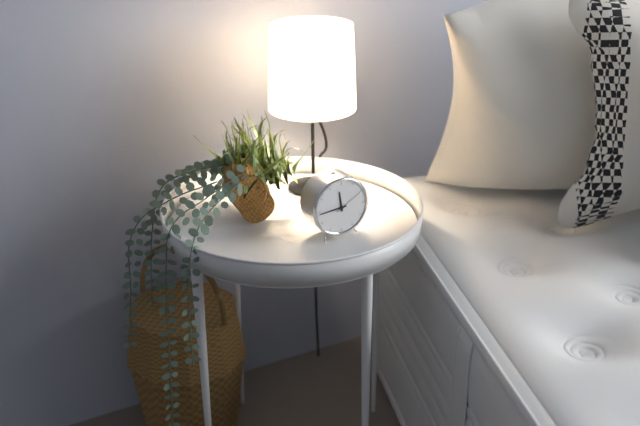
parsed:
11:44
